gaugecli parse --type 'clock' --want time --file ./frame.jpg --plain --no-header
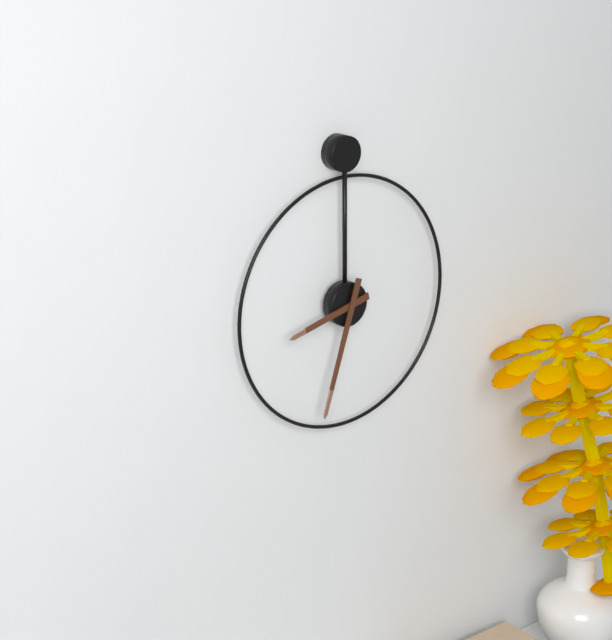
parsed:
8:33
